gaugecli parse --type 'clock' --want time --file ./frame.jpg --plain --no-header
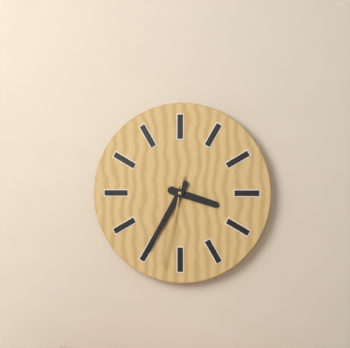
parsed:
3:35:32
